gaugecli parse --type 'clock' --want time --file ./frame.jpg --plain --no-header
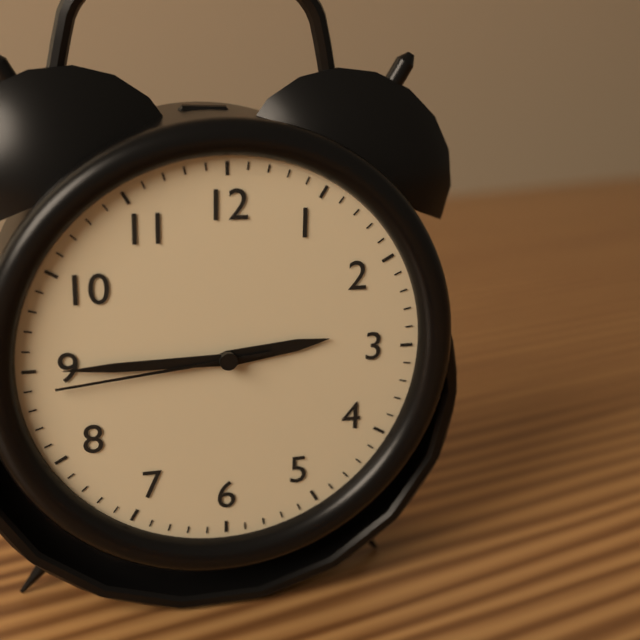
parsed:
2:45:44
